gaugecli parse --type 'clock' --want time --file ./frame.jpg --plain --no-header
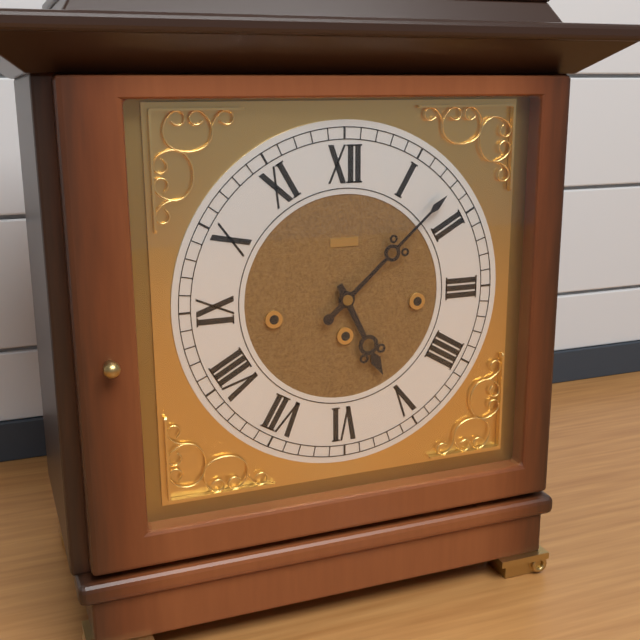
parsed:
5:08
